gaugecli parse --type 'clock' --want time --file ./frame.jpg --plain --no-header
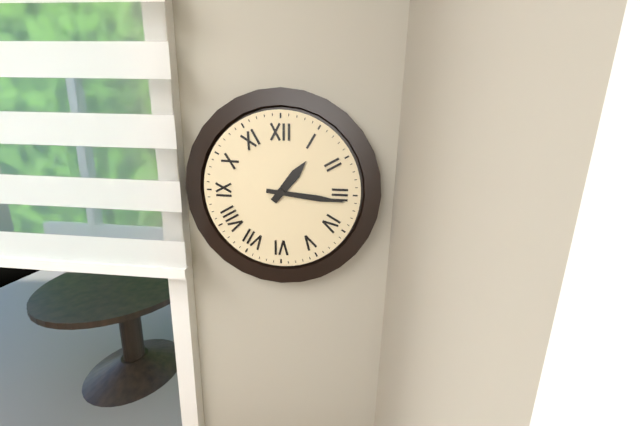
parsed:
1:16
